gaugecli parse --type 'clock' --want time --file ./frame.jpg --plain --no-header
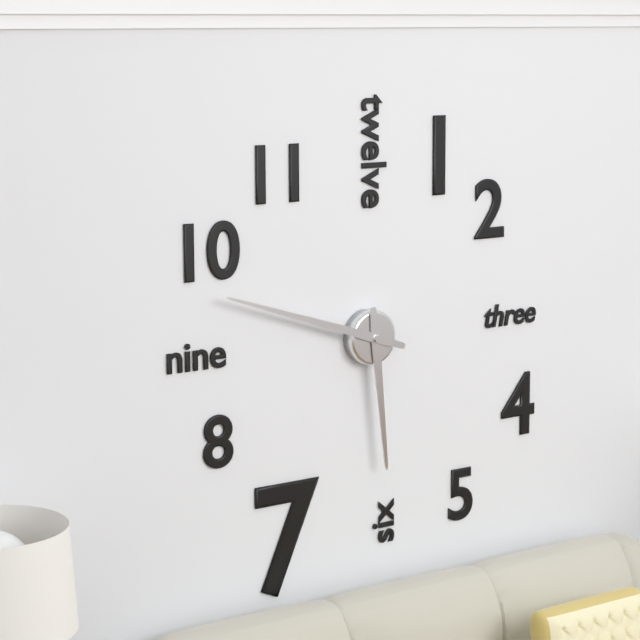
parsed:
5:48
